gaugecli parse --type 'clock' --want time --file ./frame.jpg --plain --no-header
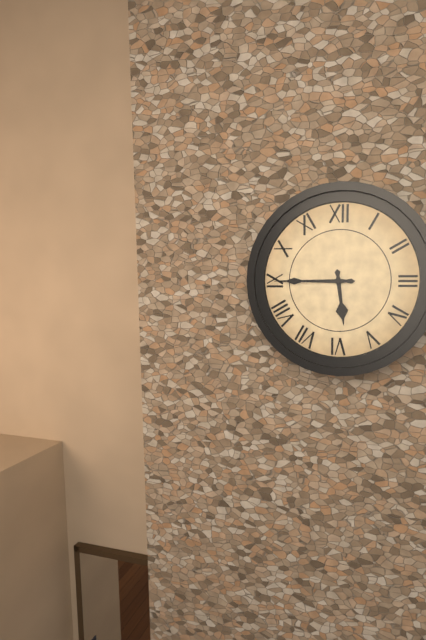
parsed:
5:45
